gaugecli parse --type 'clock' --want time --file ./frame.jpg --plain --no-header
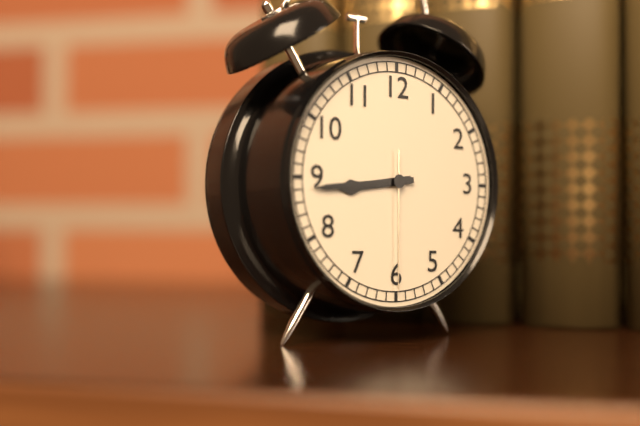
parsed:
8:44:30
